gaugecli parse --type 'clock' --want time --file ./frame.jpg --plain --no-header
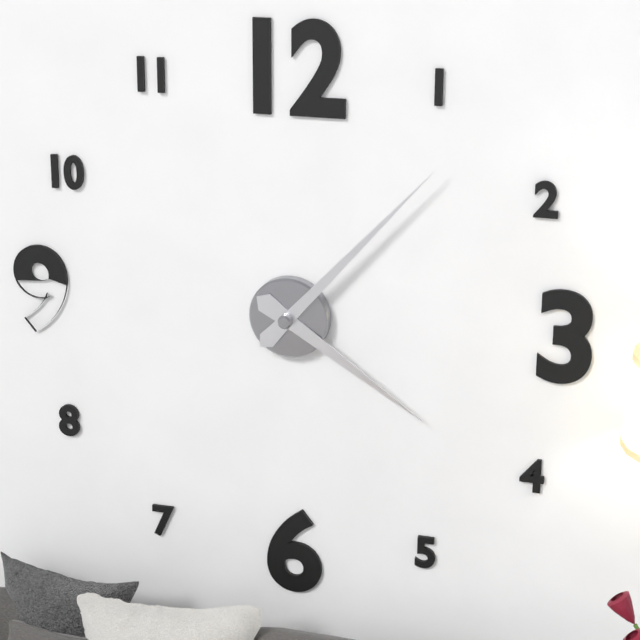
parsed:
4:07
